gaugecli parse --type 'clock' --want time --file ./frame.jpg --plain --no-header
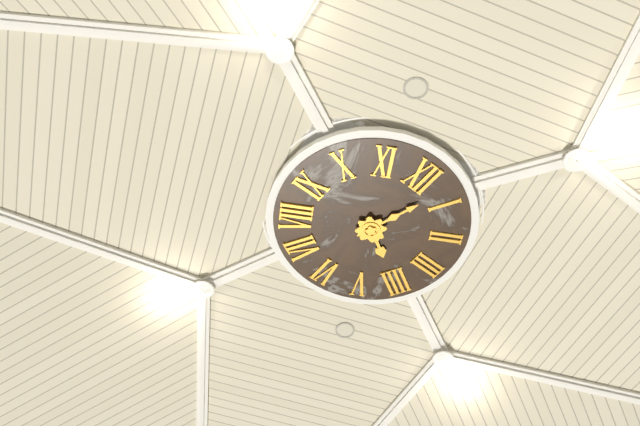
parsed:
4:03
